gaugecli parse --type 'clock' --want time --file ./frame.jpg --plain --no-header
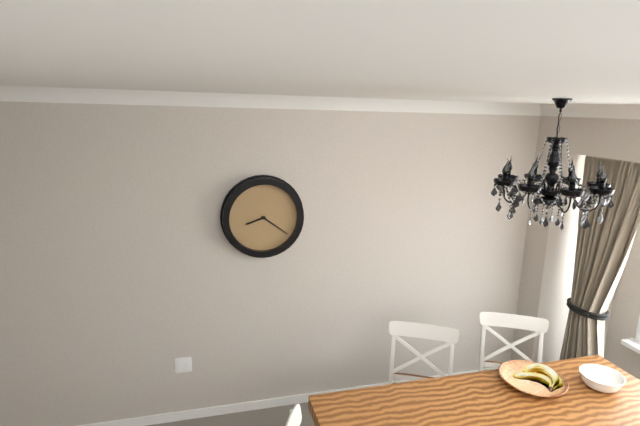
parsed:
8:21
